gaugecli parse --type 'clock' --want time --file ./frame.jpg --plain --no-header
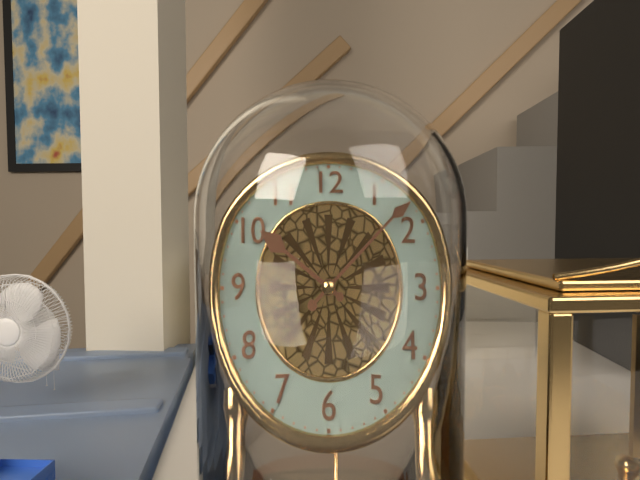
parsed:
10:08
